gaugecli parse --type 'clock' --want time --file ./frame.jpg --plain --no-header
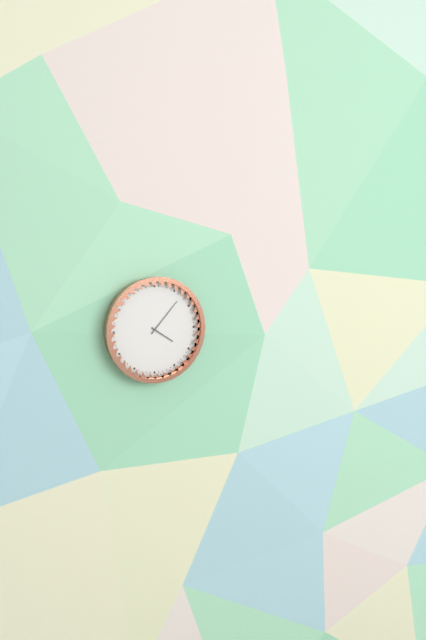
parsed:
4:07
